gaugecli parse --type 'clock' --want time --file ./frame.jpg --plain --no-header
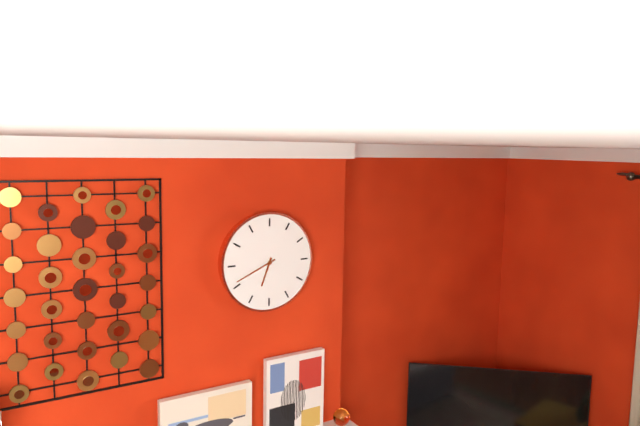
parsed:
6:41
